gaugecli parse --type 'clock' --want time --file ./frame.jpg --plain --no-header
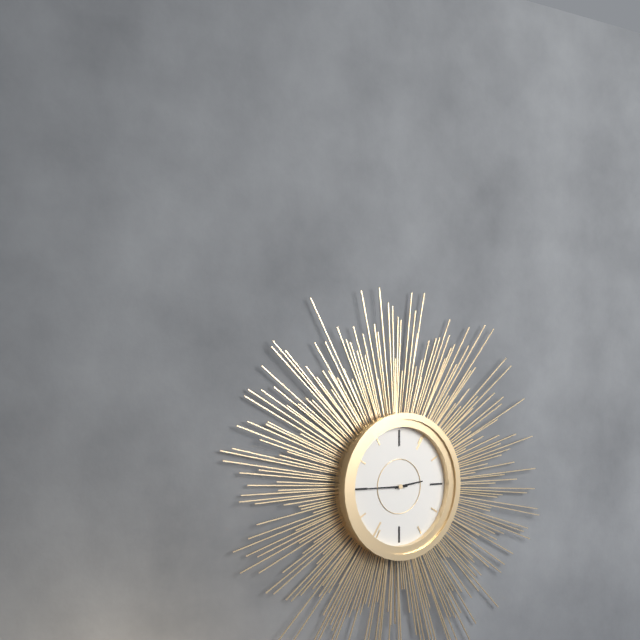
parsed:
2:45
